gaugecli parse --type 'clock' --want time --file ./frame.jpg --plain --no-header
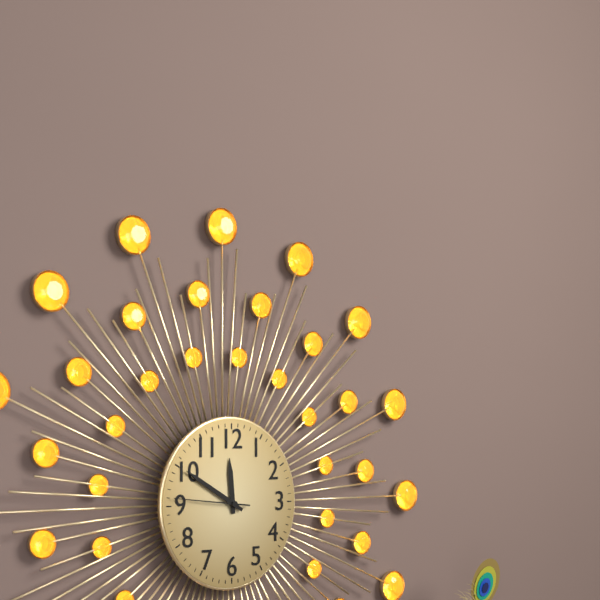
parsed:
11:50:46
